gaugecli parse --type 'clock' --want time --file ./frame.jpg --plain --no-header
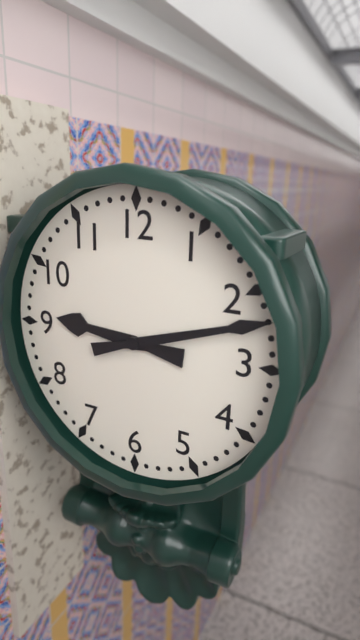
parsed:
9:12
